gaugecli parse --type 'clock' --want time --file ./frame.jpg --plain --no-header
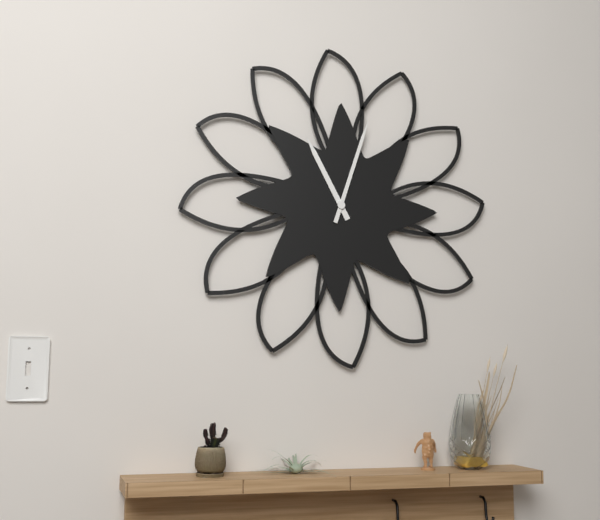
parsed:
11:03
